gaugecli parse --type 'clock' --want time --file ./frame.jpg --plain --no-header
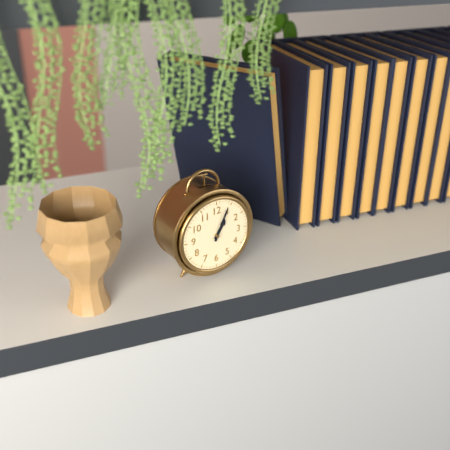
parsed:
1:04
